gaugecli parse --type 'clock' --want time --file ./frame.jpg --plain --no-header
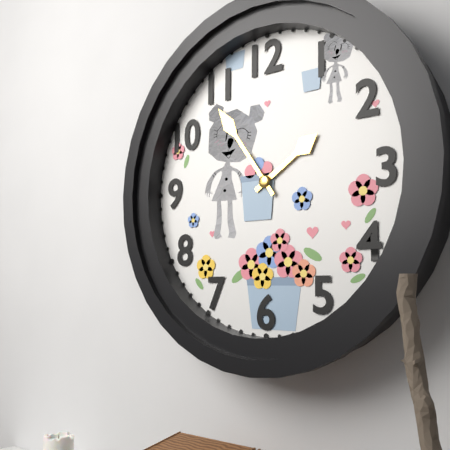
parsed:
1:54
